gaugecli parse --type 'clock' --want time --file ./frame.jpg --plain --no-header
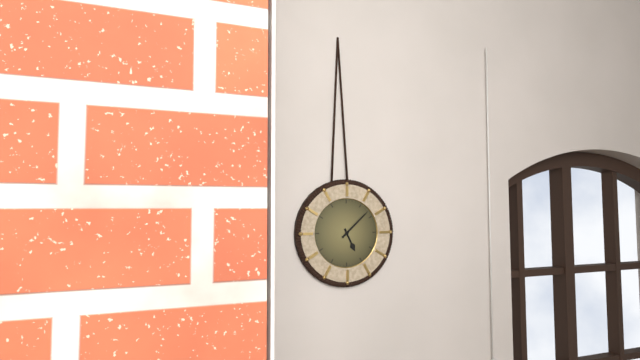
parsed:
5:08
